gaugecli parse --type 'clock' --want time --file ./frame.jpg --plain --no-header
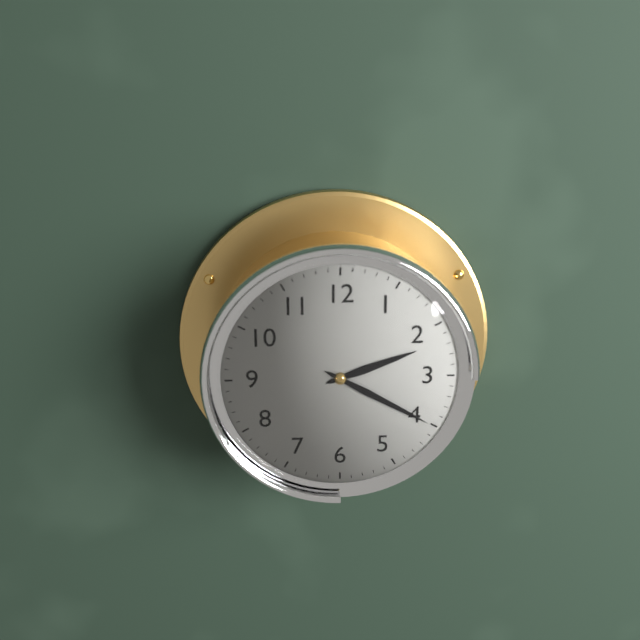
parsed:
2:20
